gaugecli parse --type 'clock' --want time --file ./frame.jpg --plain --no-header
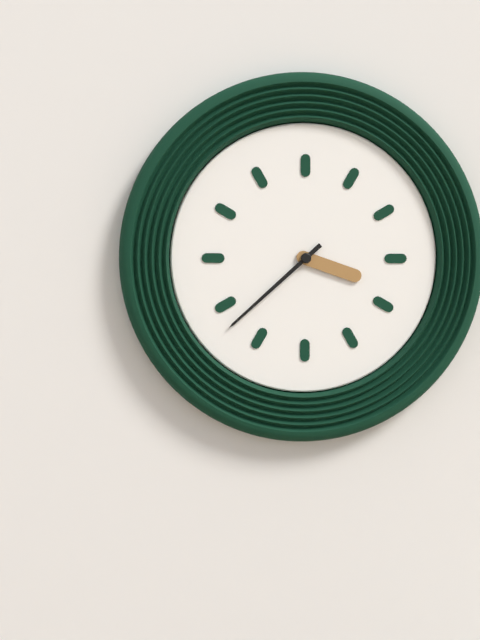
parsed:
3:38
